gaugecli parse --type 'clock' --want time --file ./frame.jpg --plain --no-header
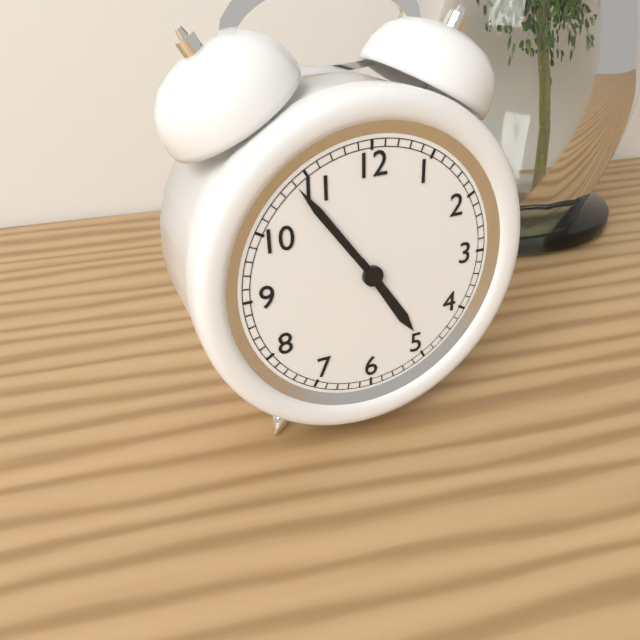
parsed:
4:54
